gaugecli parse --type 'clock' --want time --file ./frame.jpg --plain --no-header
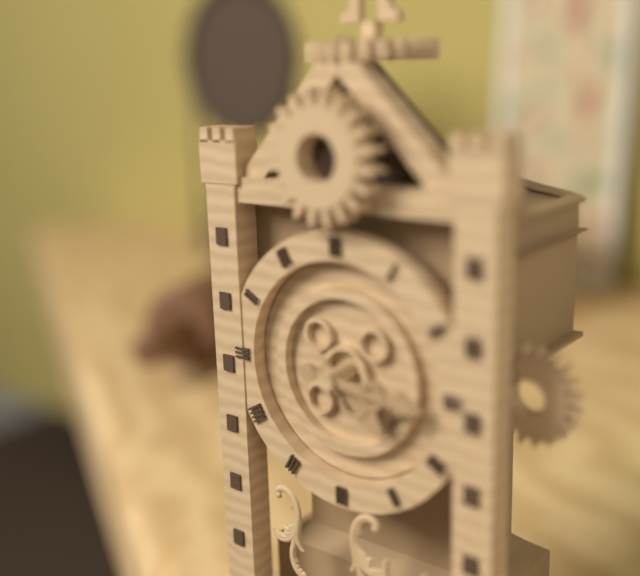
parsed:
4:16
